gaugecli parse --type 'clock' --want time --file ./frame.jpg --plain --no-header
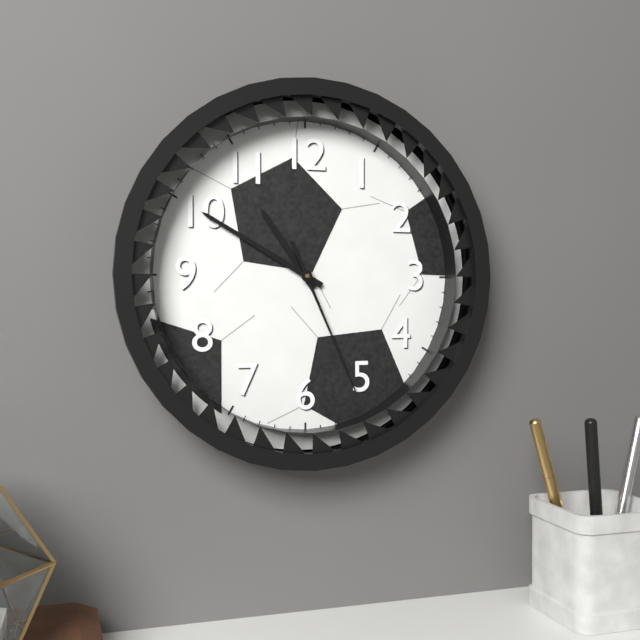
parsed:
10:50:26
